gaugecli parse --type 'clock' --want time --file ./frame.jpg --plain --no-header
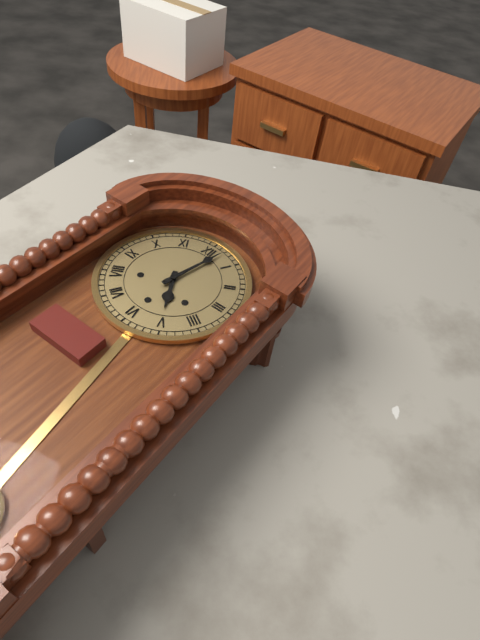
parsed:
5:02
